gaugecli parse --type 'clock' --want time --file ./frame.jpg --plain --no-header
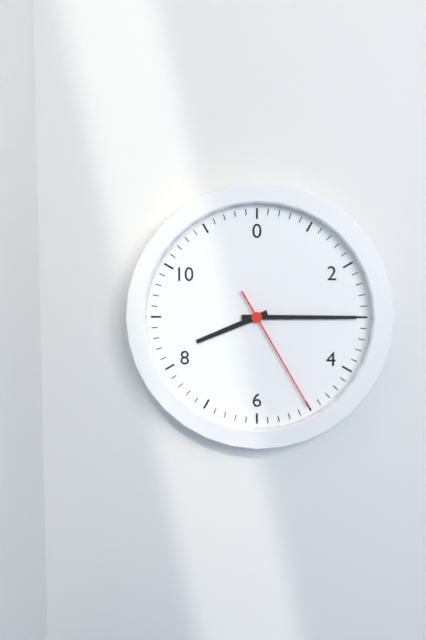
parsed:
8:15:25
